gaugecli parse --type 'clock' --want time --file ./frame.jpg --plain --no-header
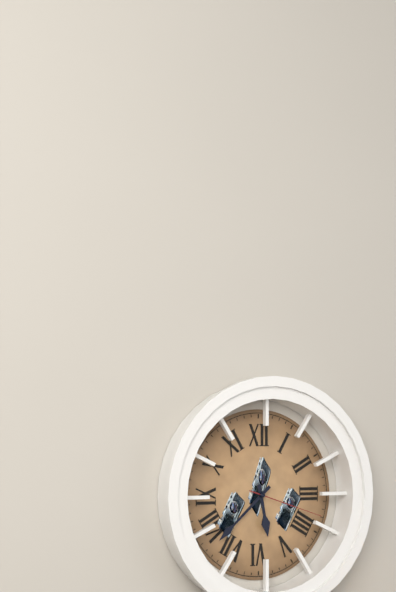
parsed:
5:38:18
